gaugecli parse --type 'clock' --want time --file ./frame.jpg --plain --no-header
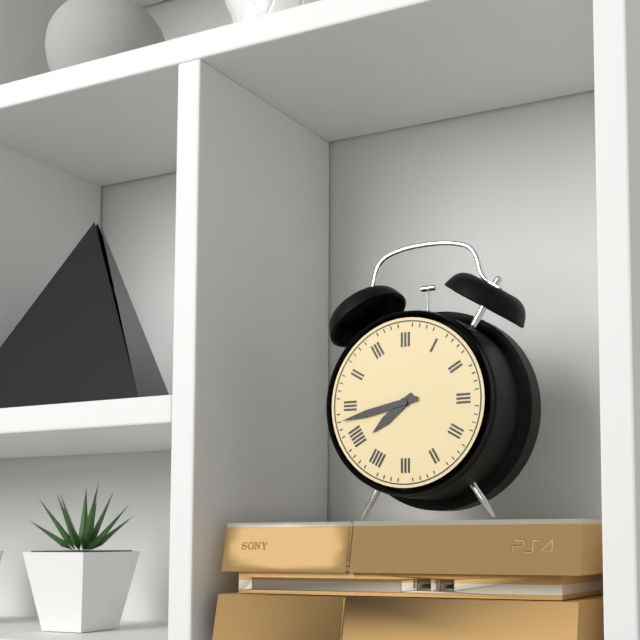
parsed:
7:43
